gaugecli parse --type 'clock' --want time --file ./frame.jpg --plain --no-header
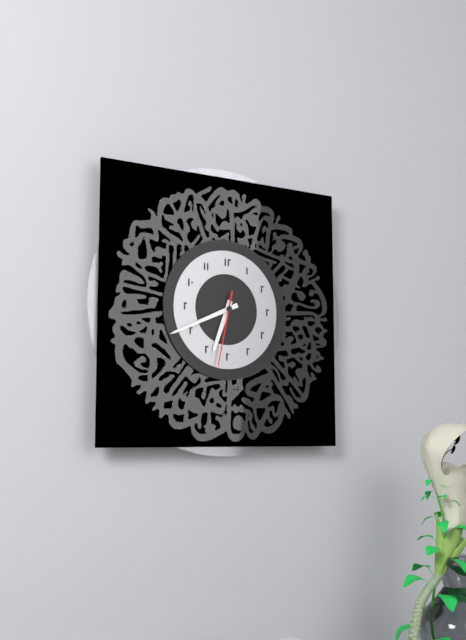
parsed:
6:41:32
